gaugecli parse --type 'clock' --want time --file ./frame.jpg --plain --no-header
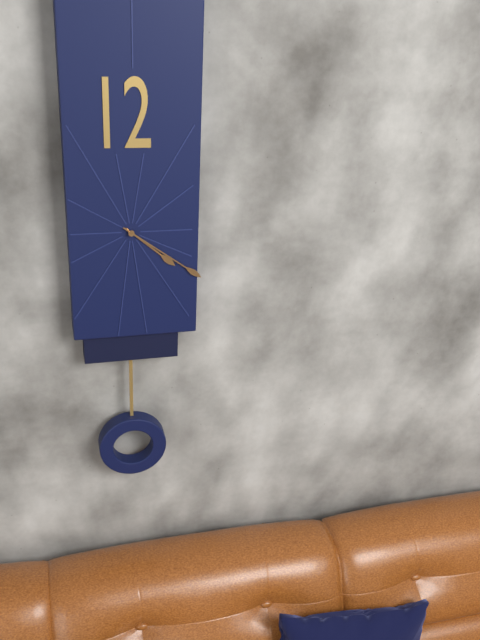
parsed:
4:21
